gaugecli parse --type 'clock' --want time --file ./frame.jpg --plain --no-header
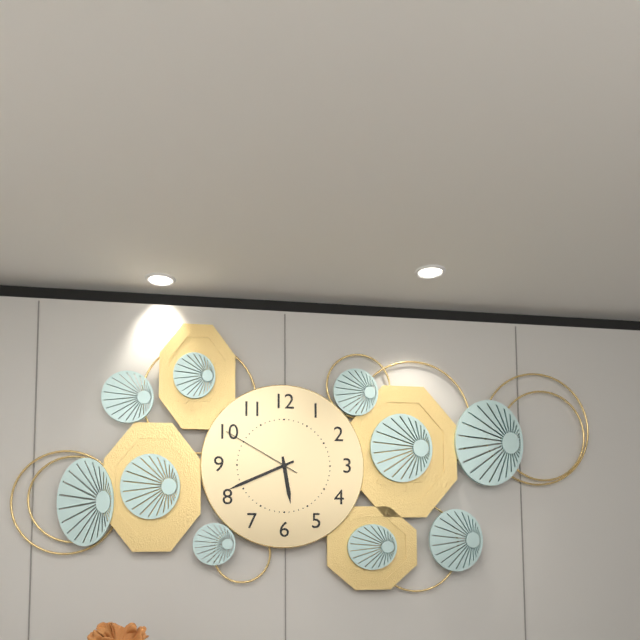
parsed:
5:41:50
